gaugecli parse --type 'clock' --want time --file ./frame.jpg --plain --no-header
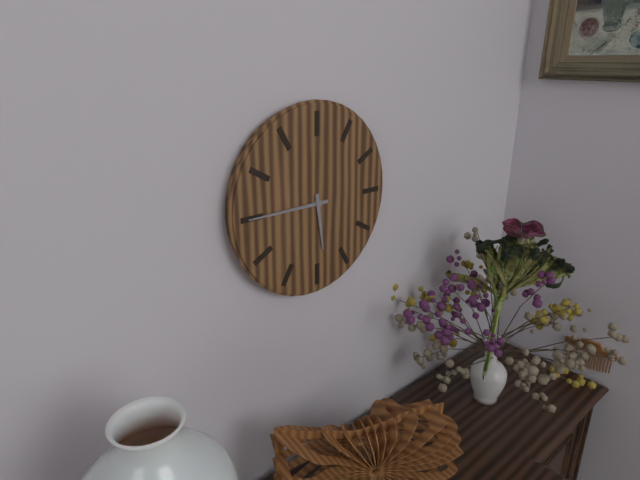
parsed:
5:45
